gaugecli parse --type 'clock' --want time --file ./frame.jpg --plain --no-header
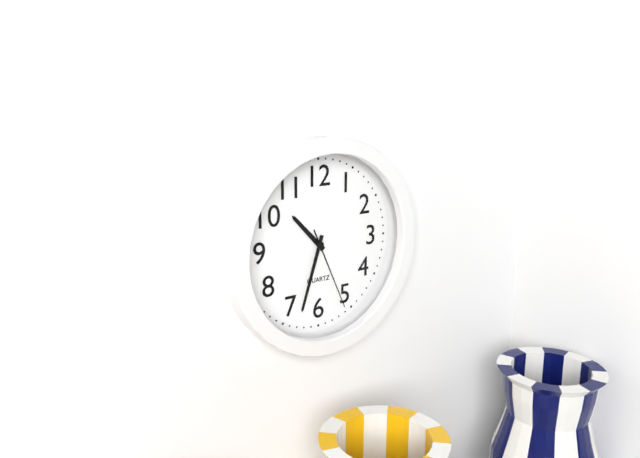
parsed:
10:33:26
